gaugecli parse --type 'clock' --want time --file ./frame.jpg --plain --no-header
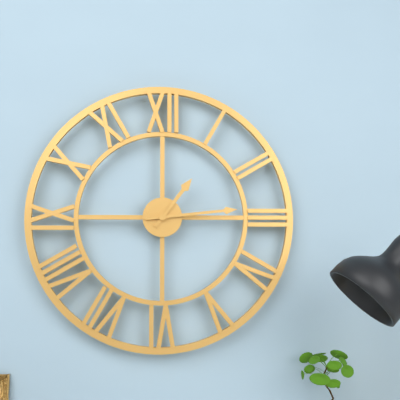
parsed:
1:14
